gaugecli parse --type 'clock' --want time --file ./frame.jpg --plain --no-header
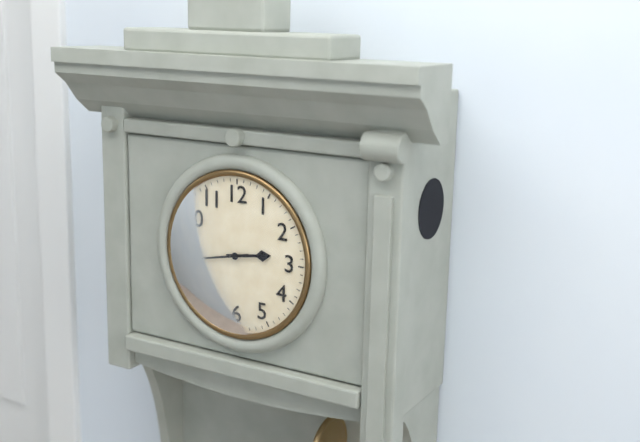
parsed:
2:43
